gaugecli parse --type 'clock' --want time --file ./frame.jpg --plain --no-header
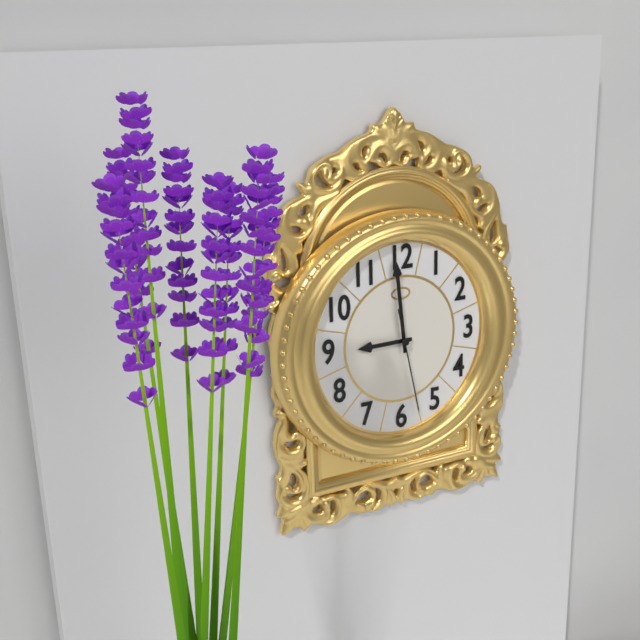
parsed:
8:59:28
